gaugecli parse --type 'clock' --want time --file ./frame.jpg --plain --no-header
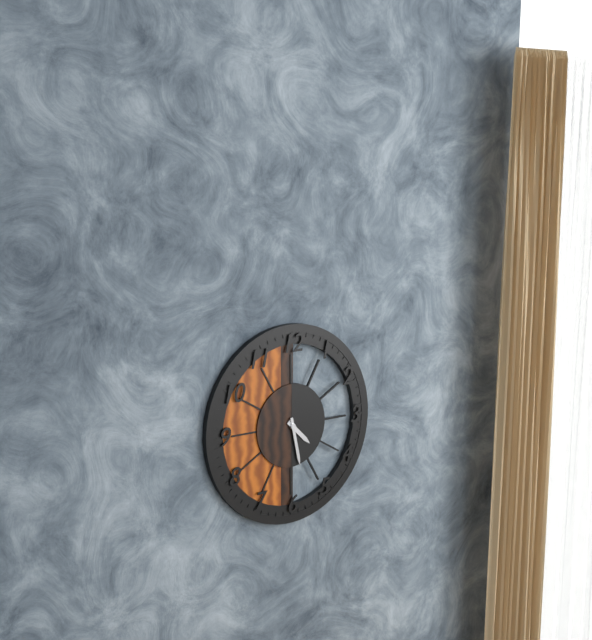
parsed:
4:28
